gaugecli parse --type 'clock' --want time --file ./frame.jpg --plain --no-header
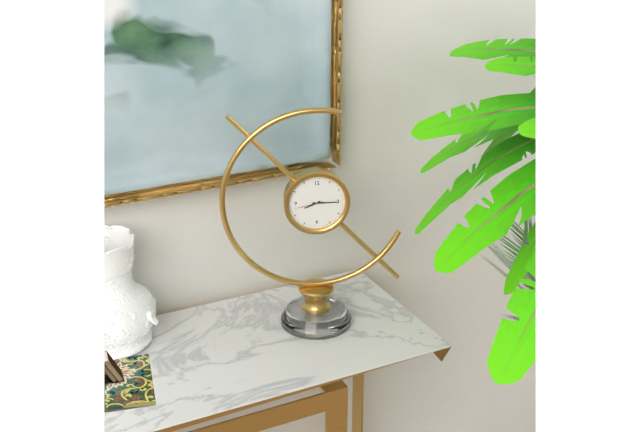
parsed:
8:15
